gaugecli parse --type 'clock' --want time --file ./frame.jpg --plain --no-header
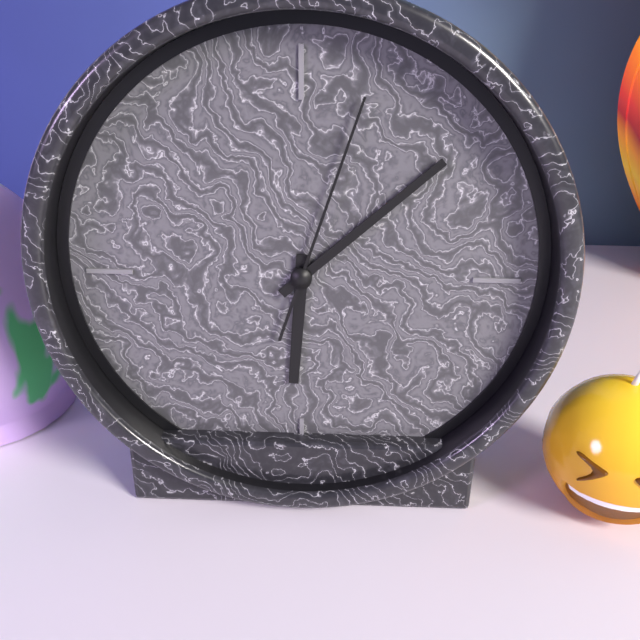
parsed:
6:08:03
